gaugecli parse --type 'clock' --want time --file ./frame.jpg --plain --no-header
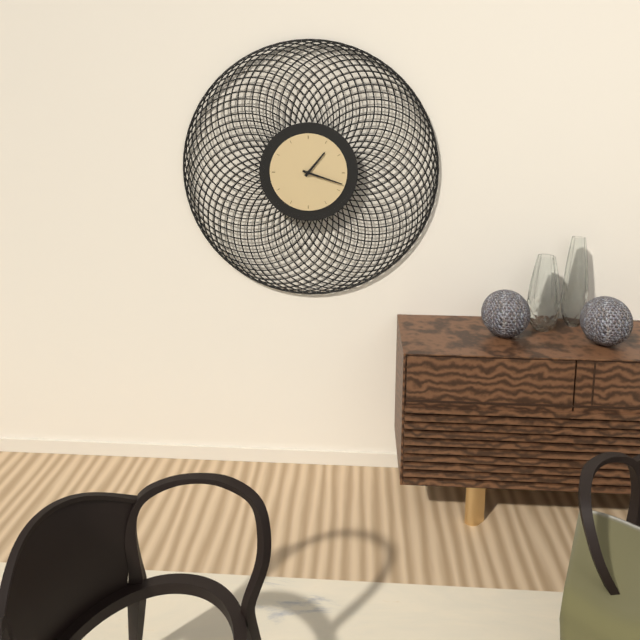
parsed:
1:18
